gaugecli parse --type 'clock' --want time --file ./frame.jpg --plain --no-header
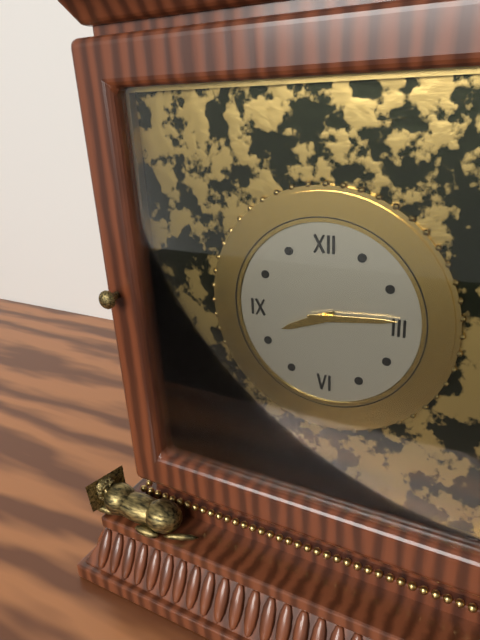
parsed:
8:14
